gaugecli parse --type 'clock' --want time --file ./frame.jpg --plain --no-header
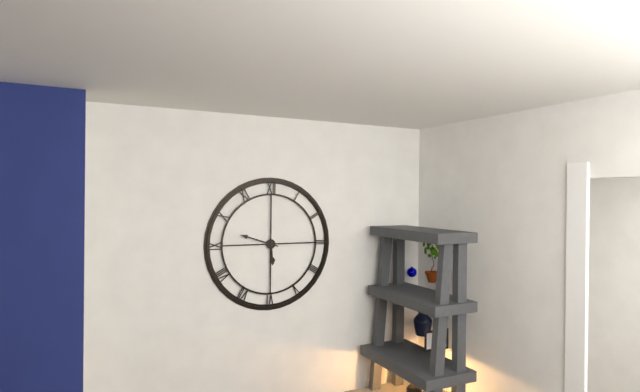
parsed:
5:48
